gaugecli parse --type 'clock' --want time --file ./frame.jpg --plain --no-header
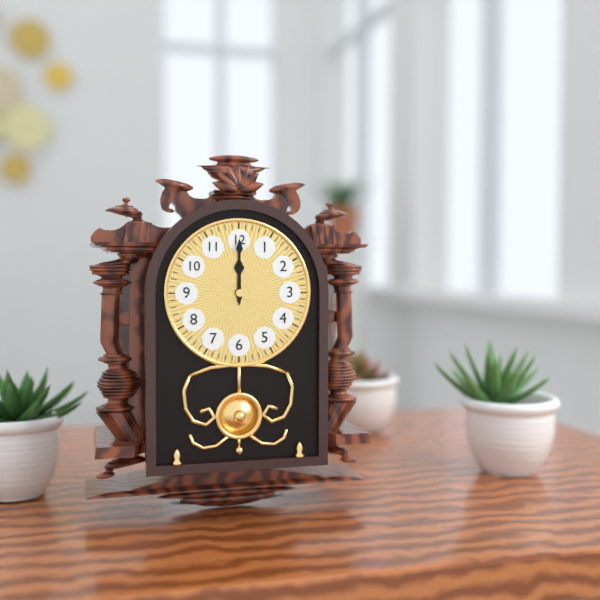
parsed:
12:00
